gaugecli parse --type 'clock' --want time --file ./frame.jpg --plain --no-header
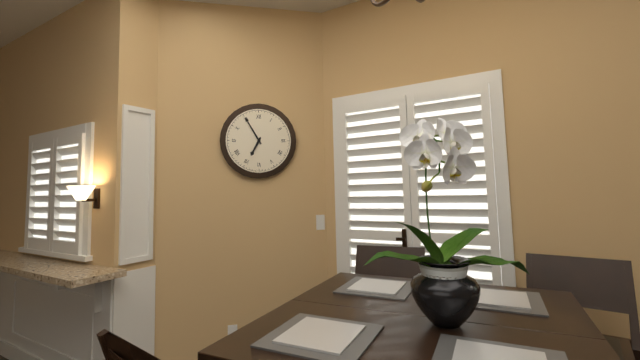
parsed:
6:55
